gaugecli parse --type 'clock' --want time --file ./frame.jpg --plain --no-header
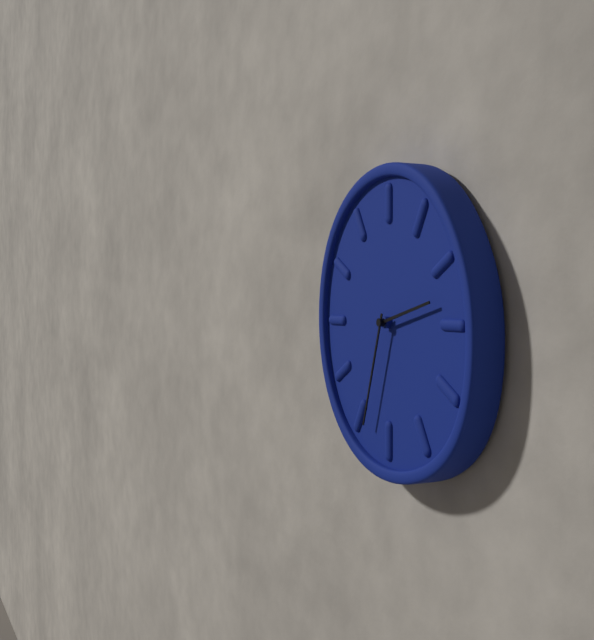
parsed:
2:33
